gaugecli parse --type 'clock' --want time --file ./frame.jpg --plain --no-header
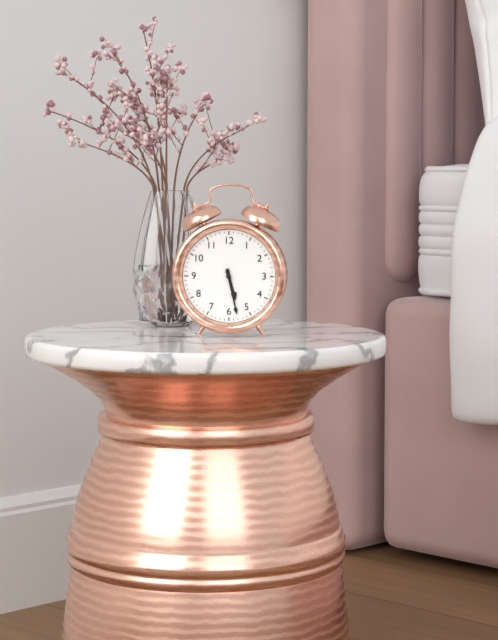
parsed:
5:28
